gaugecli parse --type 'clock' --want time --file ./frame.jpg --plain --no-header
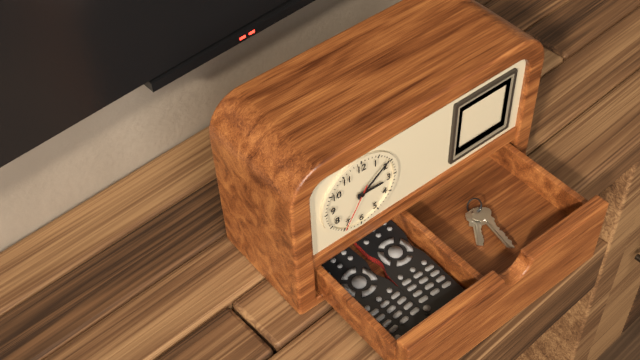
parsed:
3:09
